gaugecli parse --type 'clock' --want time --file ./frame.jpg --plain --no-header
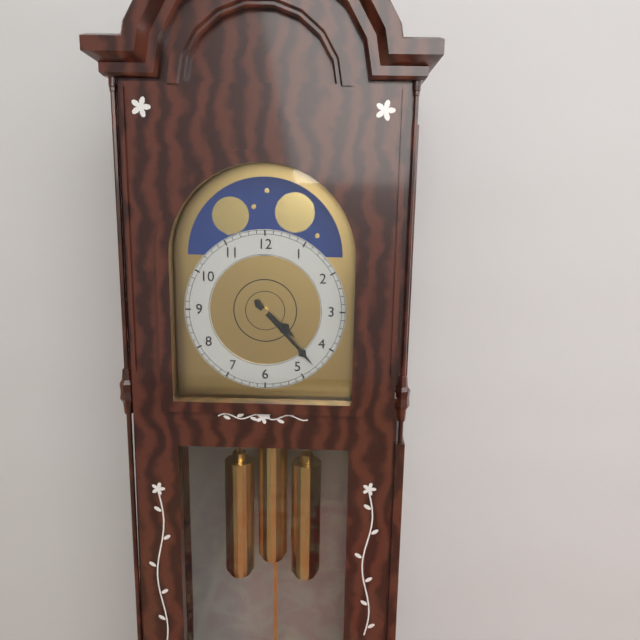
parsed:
4:23
